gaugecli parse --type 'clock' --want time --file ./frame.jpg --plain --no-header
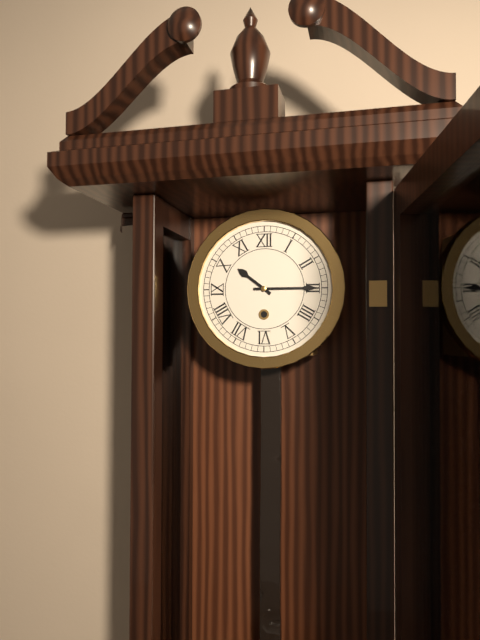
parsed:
10:15
